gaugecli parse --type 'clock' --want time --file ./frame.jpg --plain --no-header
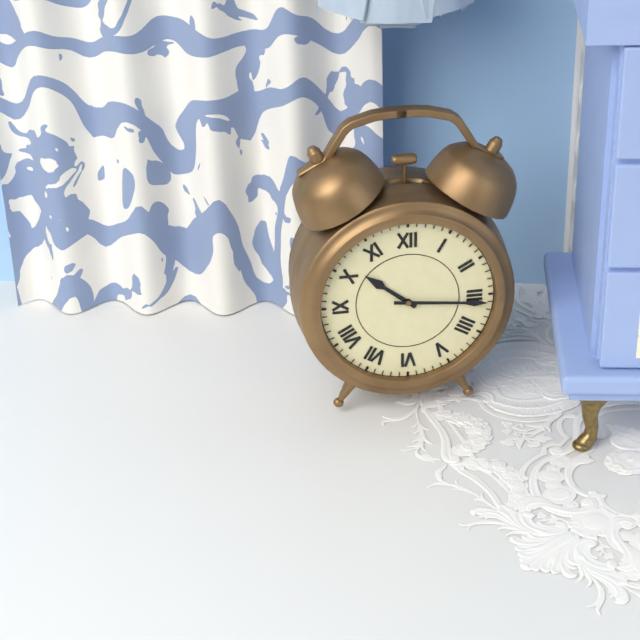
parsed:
10:16
